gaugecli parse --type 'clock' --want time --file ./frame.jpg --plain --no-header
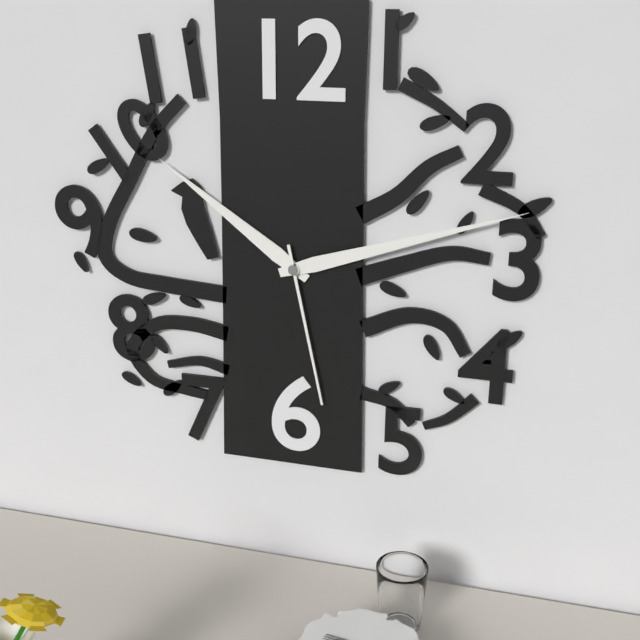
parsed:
10:12:28
